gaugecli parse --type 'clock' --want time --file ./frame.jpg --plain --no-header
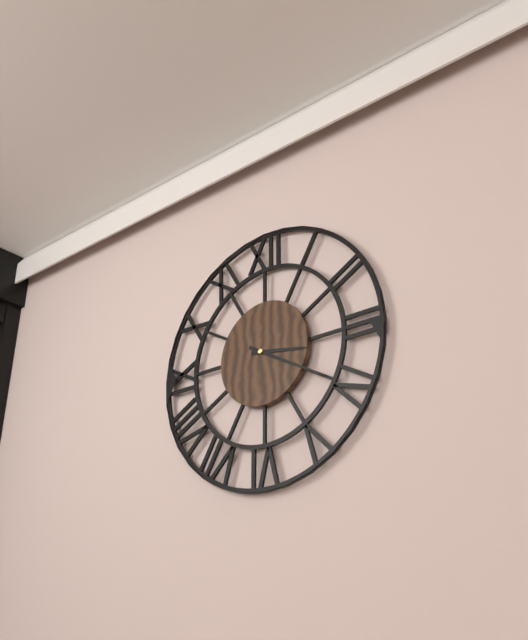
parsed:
3:20
